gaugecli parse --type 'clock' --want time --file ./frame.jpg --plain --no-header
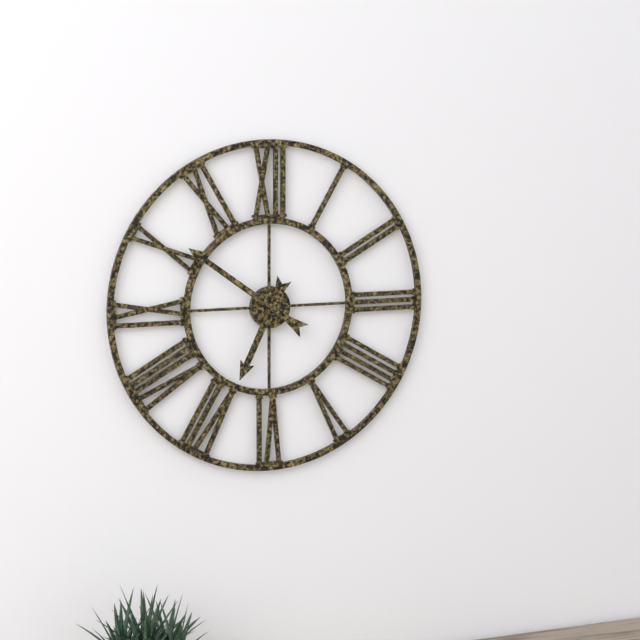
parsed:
6:51
